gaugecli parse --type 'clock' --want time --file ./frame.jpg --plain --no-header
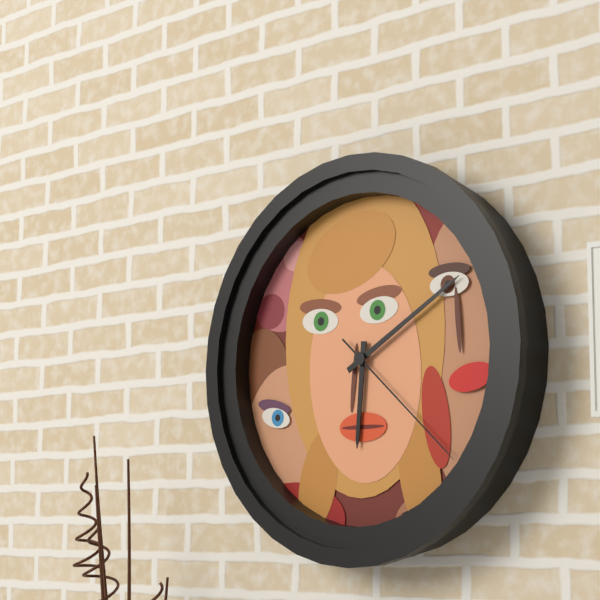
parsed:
6:10:22
